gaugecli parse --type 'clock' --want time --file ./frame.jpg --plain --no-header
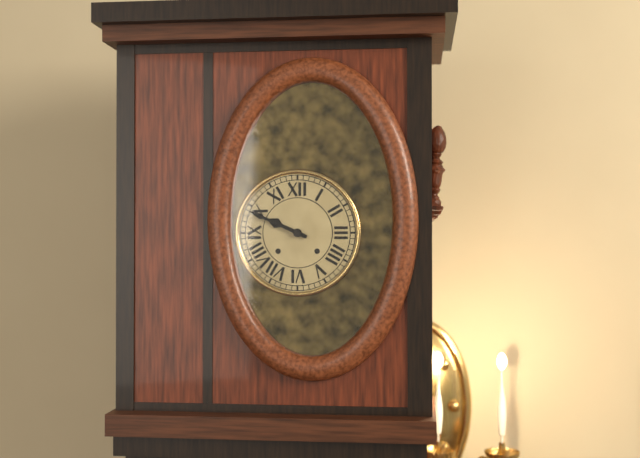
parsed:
9:49
